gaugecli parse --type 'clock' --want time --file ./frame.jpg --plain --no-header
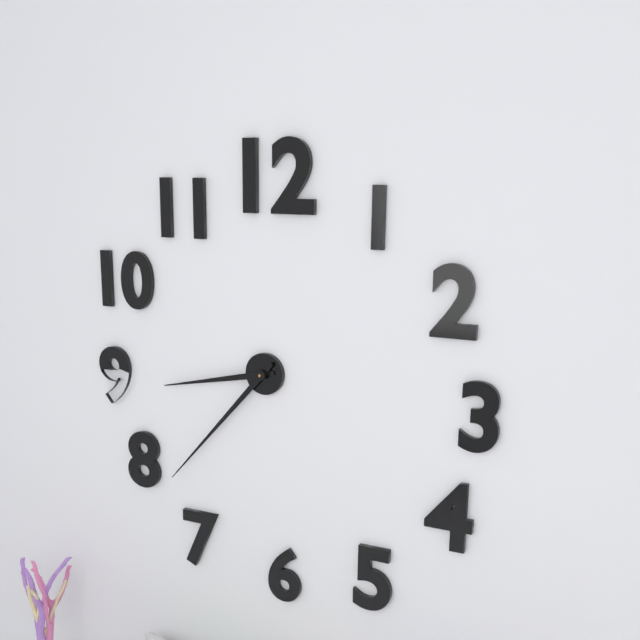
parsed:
8:37
